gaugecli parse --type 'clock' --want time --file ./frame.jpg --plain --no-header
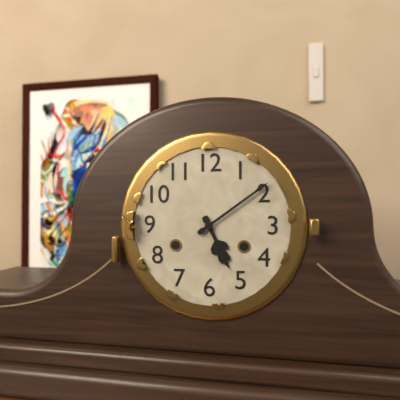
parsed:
5:09
